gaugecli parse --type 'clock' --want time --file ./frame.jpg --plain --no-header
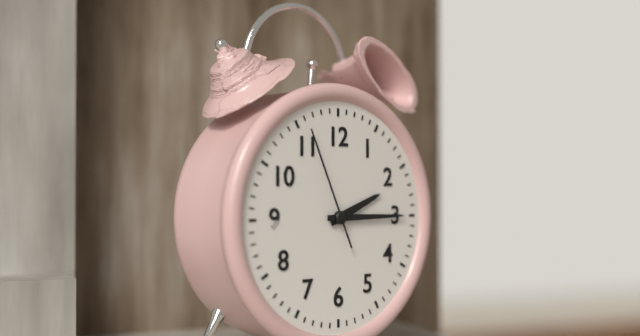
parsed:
2:15:56
